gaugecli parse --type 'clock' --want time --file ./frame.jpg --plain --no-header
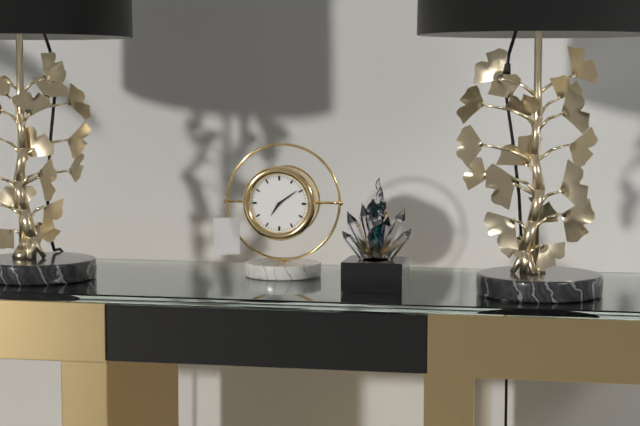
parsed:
7:09
